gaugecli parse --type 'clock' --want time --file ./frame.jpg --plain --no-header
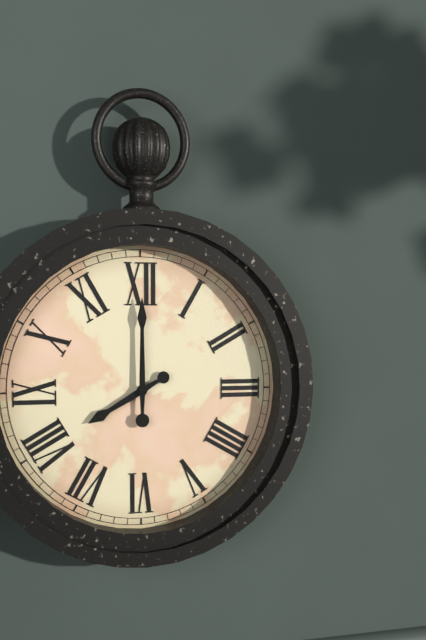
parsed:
8:00
